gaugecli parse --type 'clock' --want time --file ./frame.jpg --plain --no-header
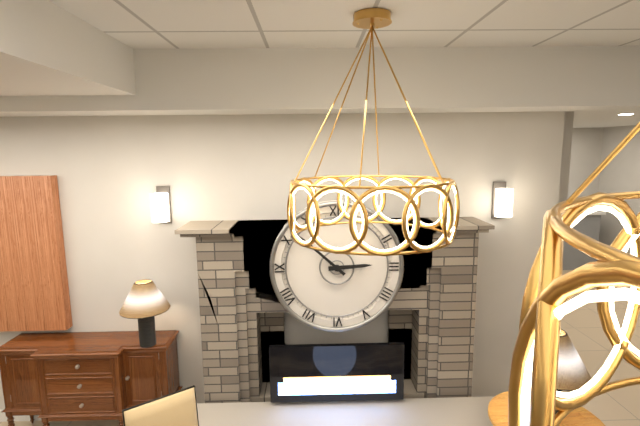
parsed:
2:52
